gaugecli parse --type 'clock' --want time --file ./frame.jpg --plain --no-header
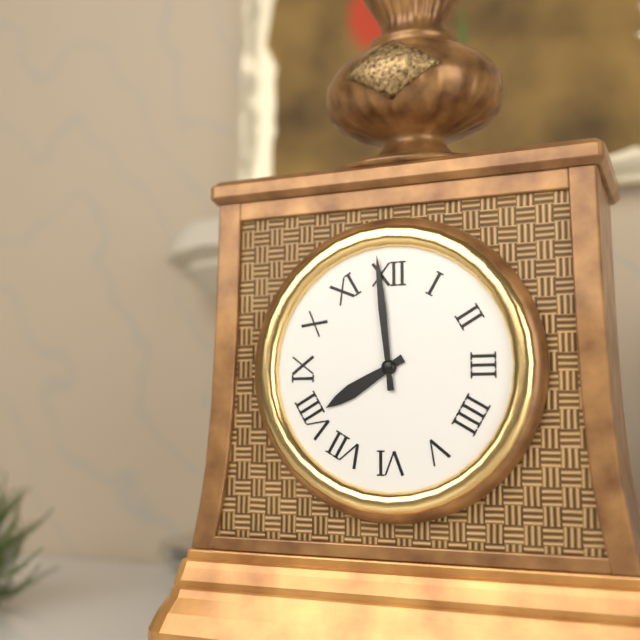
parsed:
7:59
